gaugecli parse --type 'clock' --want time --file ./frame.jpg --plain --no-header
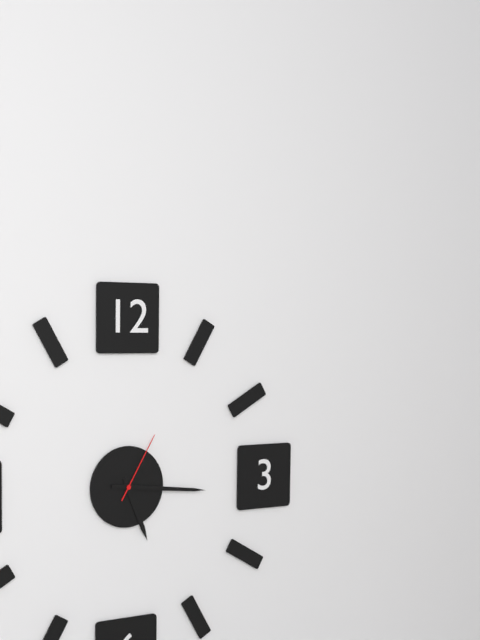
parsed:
5:16:05
